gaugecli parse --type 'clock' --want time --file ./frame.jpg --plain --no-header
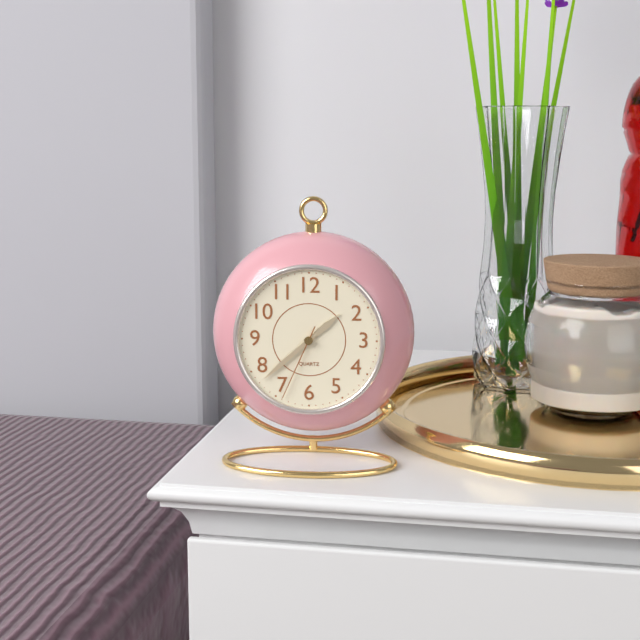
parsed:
1:38:34
